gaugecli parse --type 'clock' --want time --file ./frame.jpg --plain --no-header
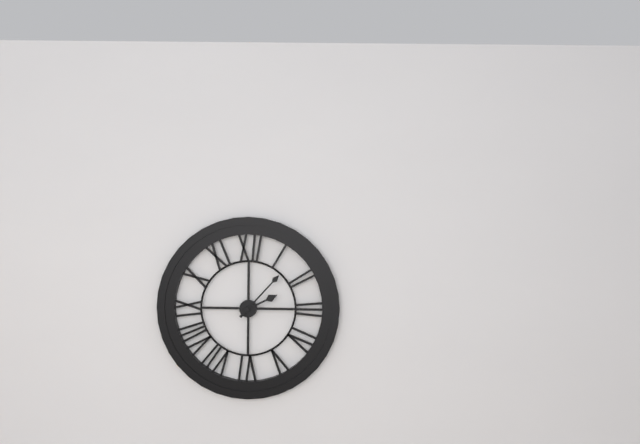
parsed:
2:07
